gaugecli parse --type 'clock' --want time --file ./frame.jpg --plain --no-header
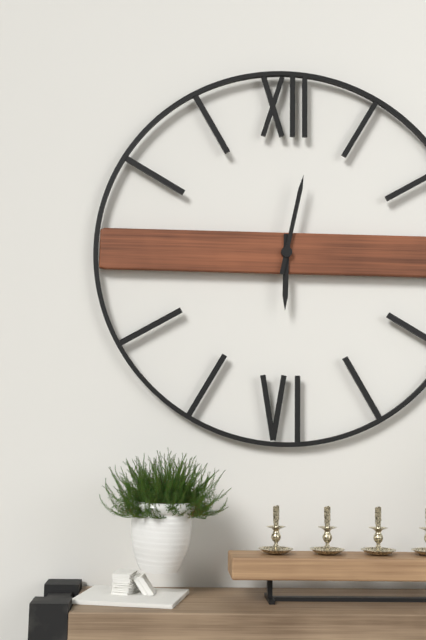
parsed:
6:02
